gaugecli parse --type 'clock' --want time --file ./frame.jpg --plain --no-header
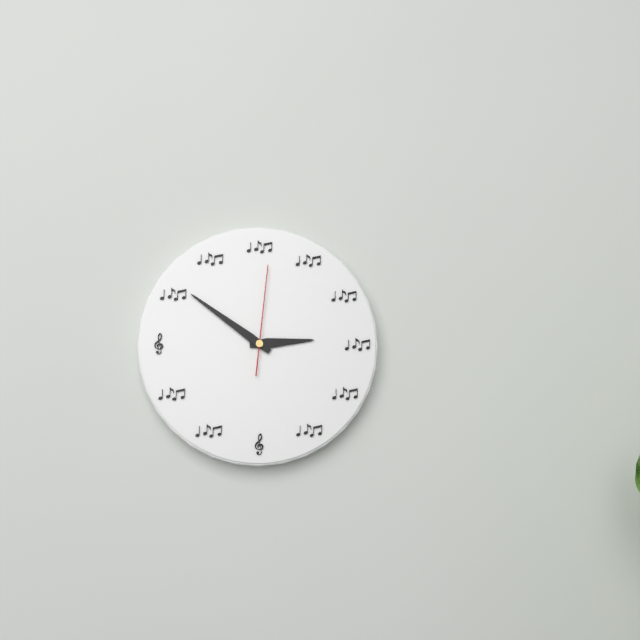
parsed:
2:51:01
